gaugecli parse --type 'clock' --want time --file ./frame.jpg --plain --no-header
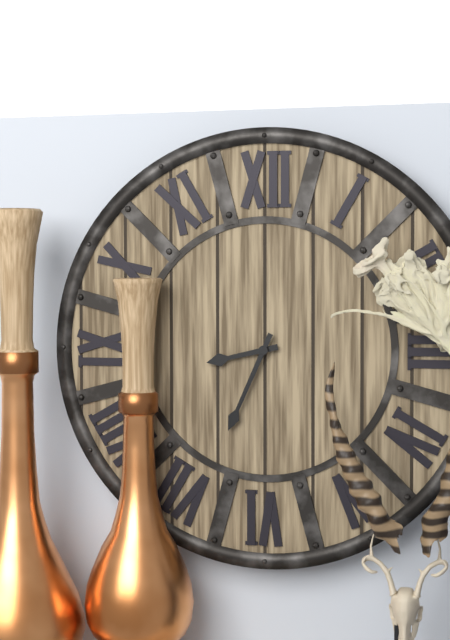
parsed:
8:34
